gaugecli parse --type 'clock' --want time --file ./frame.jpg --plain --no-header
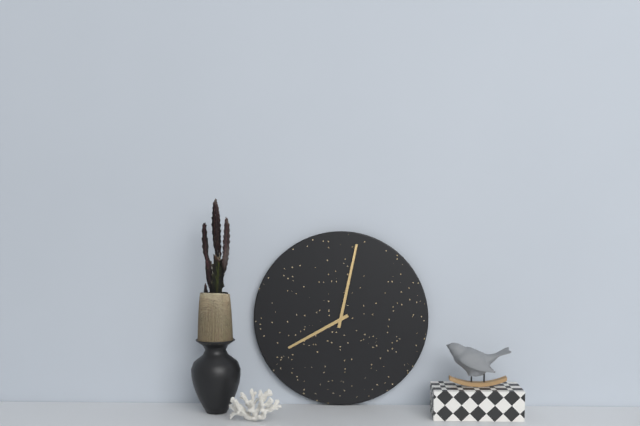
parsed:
8:02
